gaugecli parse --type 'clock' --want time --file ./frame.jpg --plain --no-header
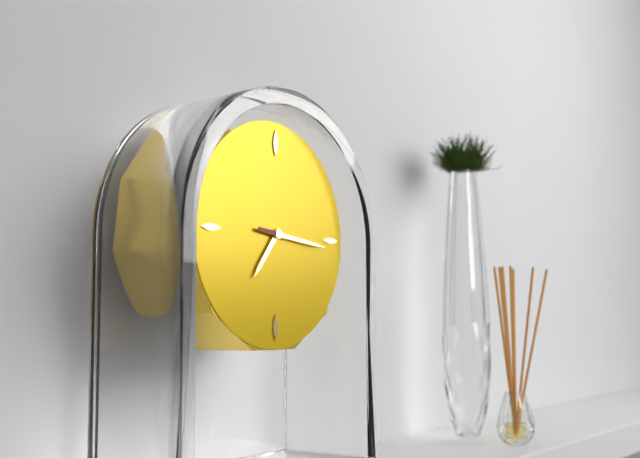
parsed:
7:16
